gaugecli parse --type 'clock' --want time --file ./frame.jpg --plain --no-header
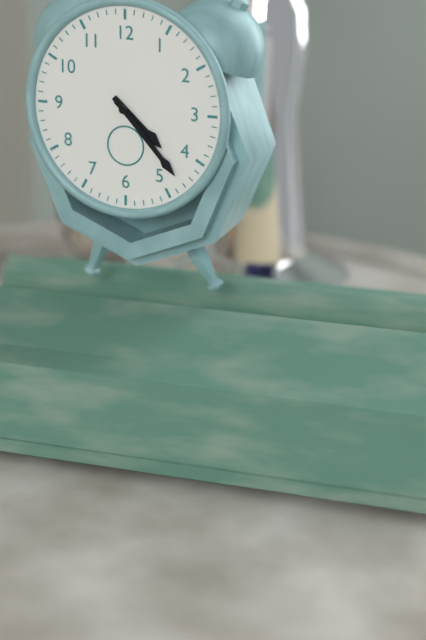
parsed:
4:23
